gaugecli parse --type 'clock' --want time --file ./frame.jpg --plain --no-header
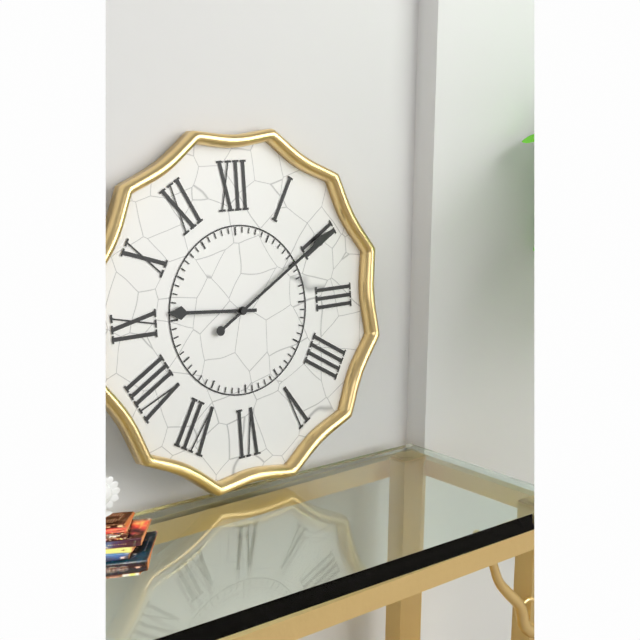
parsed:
9:10
